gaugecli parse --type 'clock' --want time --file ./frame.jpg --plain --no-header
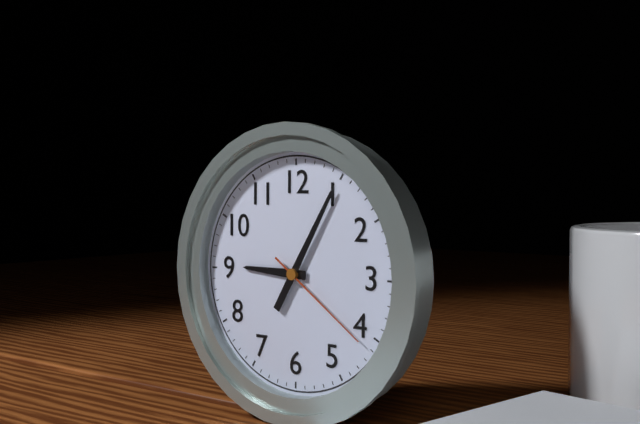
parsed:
9:05:21
